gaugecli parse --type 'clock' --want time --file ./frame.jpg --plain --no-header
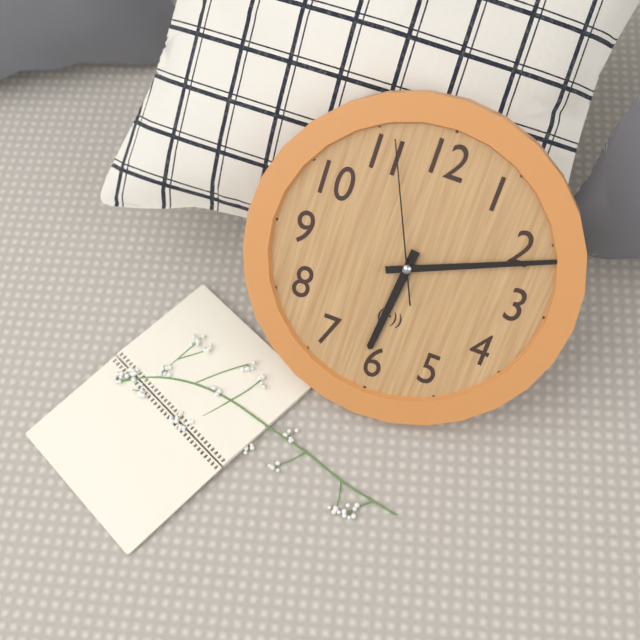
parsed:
6:11:56
